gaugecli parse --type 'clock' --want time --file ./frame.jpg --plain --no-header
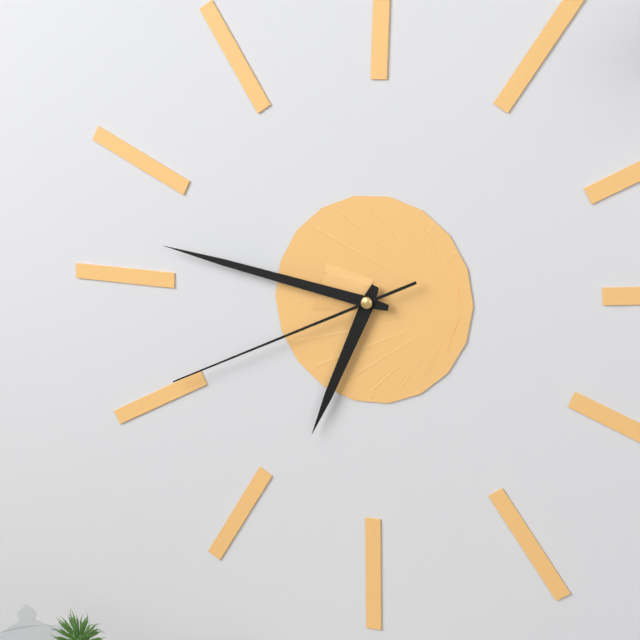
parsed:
6:47:41
